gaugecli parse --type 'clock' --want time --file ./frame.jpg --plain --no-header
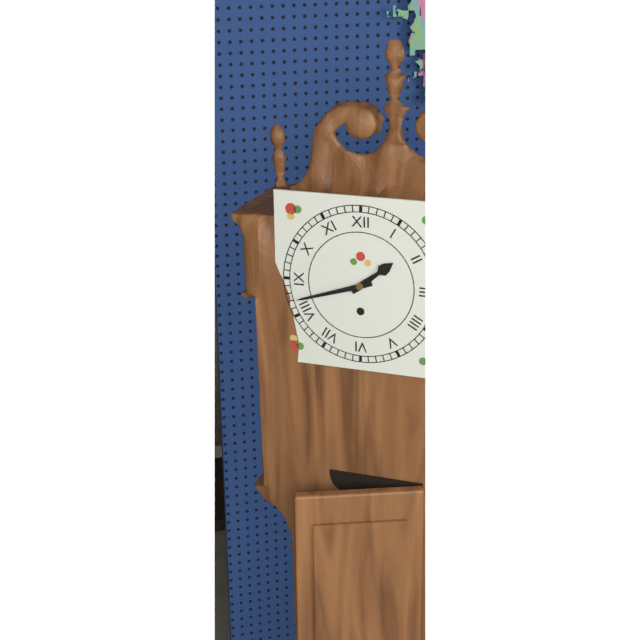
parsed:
1:42
